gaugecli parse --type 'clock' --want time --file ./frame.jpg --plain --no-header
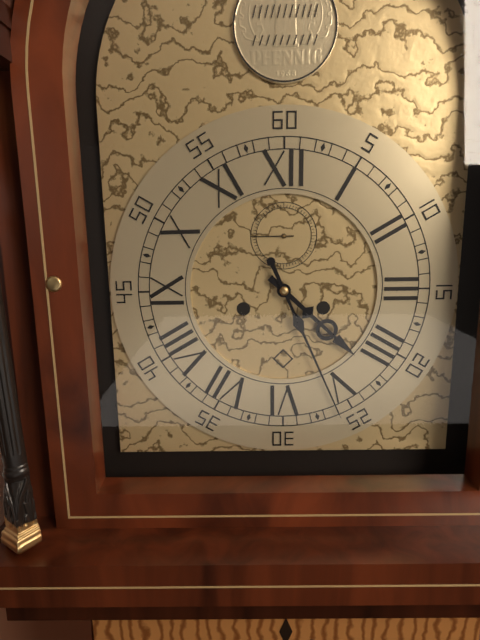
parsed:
4:26
